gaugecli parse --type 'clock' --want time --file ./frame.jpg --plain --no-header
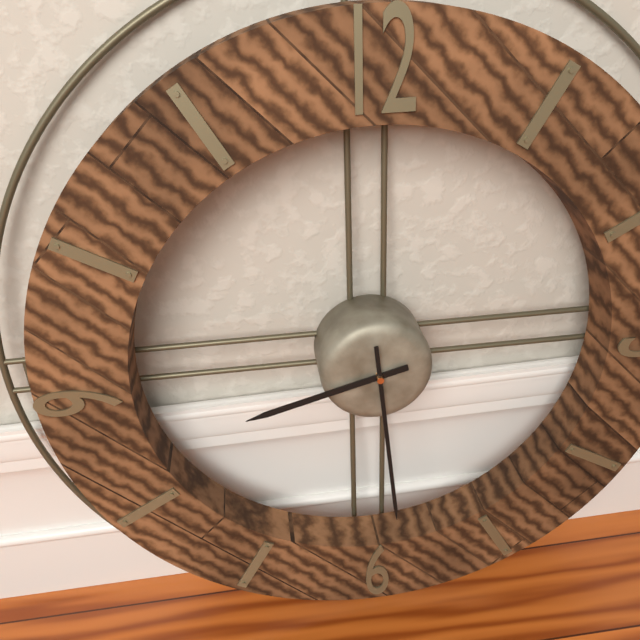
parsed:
8:29
